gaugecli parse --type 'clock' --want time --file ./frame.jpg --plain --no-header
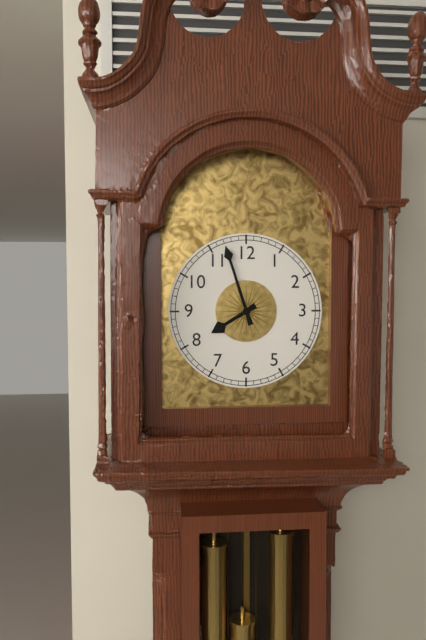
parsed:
7:57
